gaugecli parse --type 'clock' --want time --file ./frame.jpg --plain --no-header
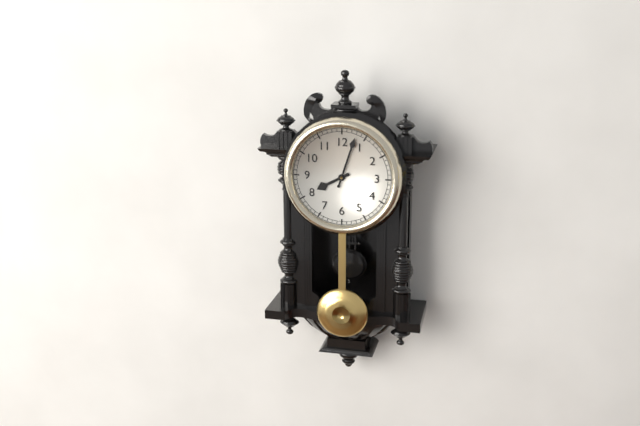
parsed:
8:03
